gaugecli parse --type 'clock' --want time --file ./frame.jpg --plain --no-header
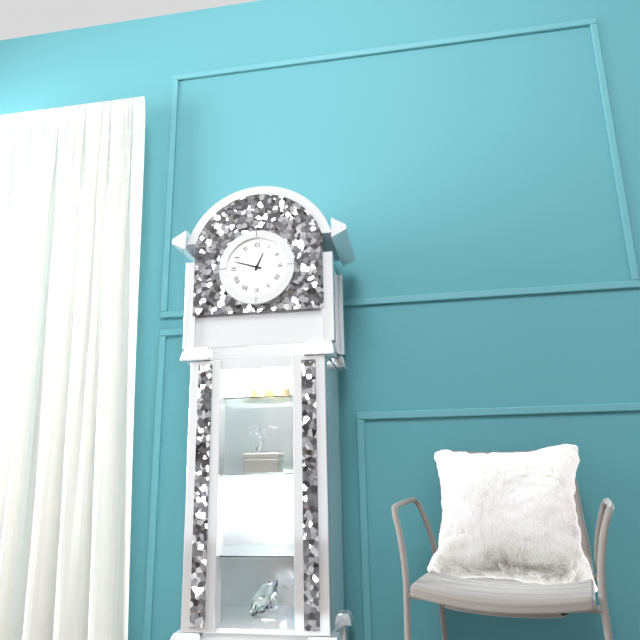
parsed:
12:48
